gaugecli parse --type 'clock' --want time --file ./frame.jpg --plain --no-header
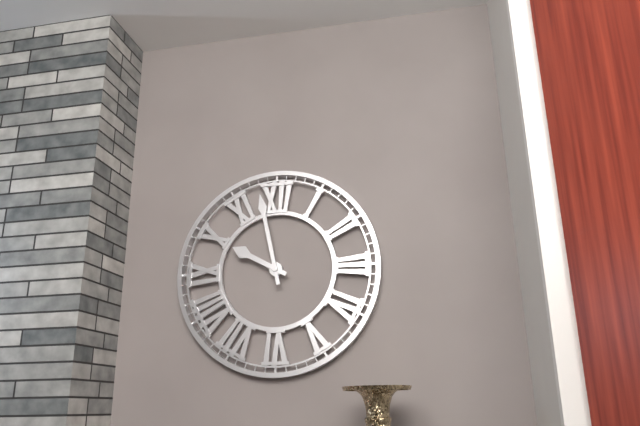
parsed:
9:58
